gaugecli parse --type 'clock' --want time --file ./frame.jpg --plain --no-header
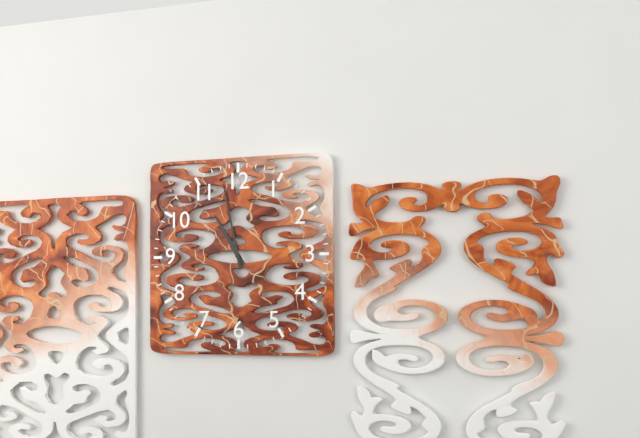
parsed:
10:58
